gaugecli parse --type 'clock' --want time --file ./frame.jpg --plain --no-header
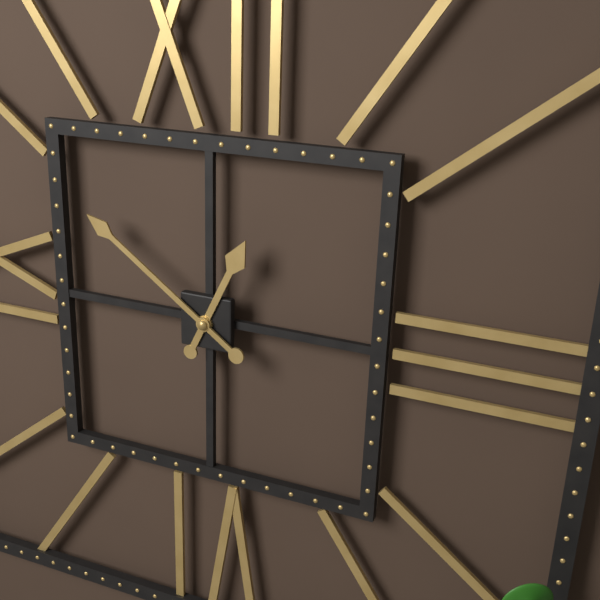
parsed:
12:51
